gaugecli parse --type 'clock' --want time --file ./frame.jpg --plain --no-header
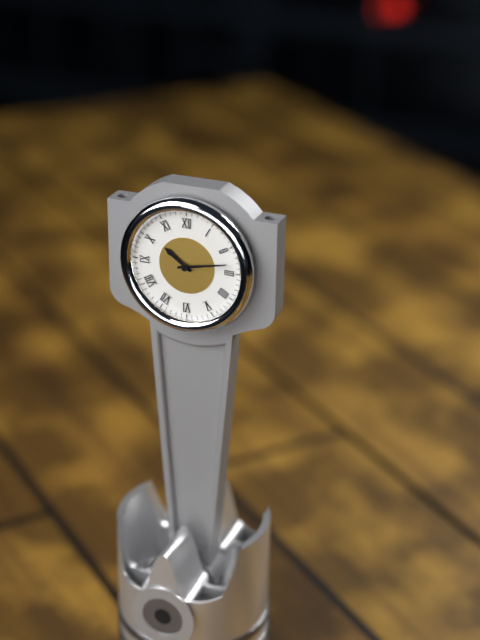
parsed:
10:13
